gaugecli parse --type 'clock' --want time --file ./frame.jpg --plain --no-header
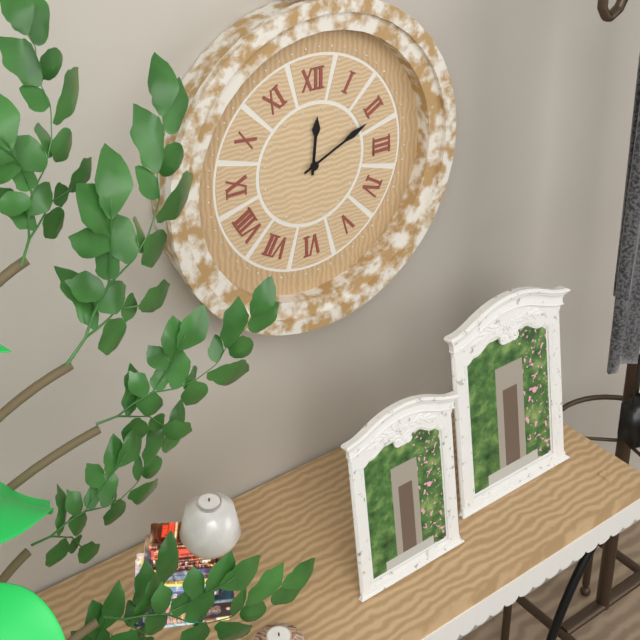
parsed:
12:11
